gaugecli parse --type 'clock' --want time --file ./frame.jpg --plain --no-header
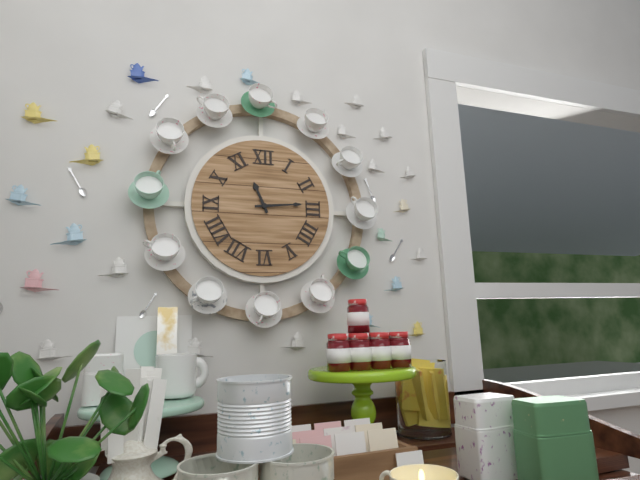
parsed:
11:14
